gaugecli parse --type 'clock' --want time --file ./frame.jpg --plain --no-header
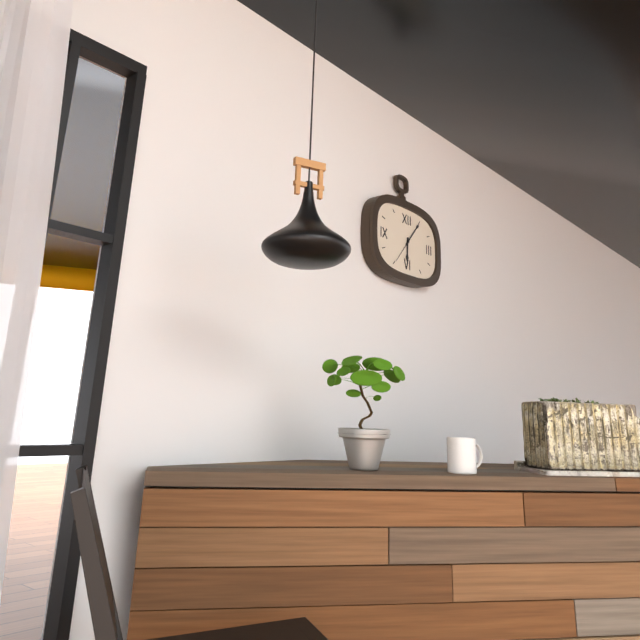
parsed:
6:07
